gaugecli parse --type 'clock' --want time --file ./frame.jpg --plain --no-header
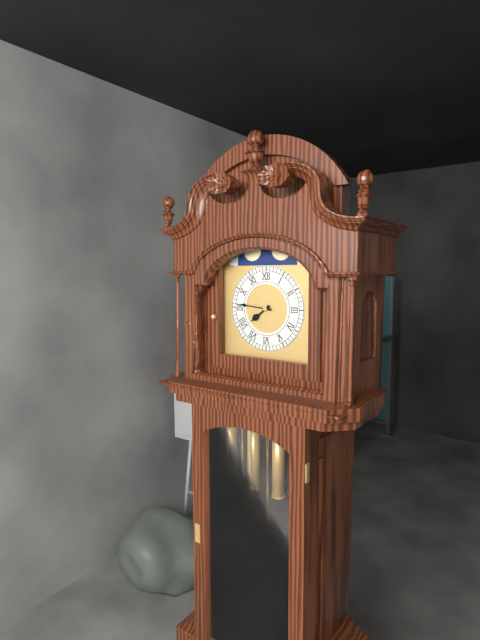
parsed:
7:46
